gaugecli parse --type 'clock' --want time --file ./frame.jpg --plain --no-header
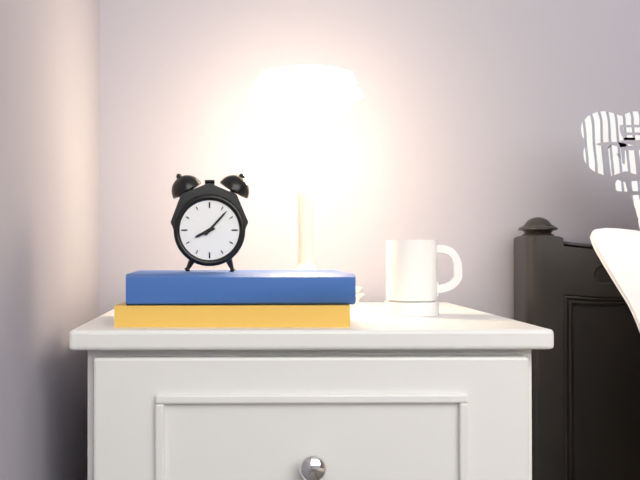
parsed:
8:07
